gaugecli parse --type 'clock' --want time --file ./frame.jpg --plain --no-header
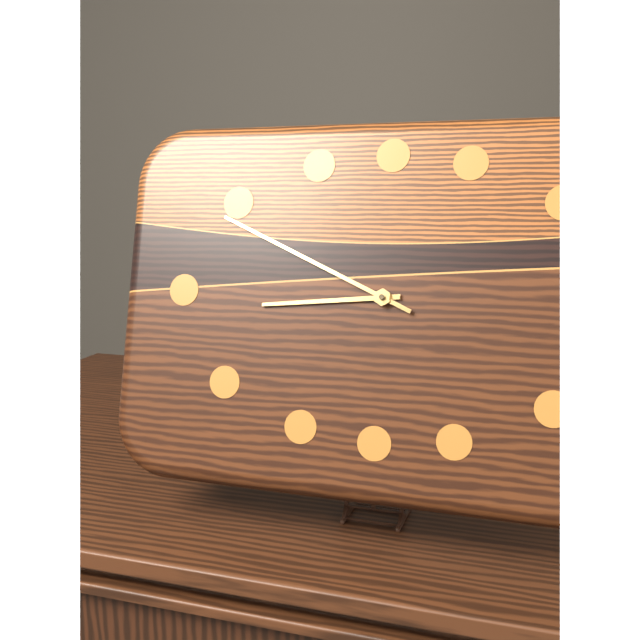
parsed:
8:49
